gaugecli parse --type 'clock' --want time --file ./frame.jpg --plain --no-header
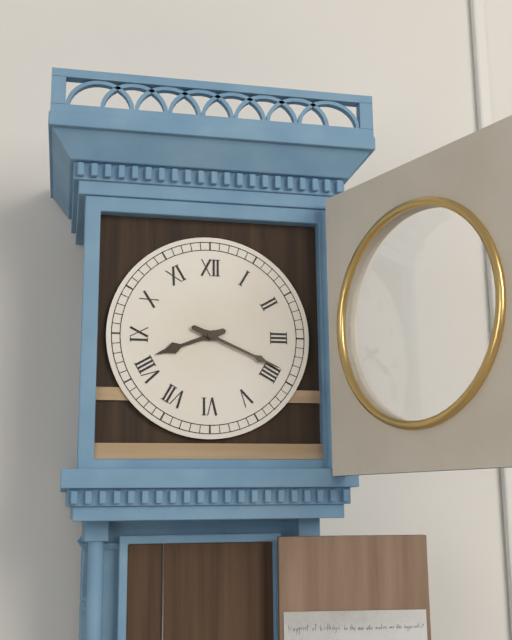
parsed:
8:19
